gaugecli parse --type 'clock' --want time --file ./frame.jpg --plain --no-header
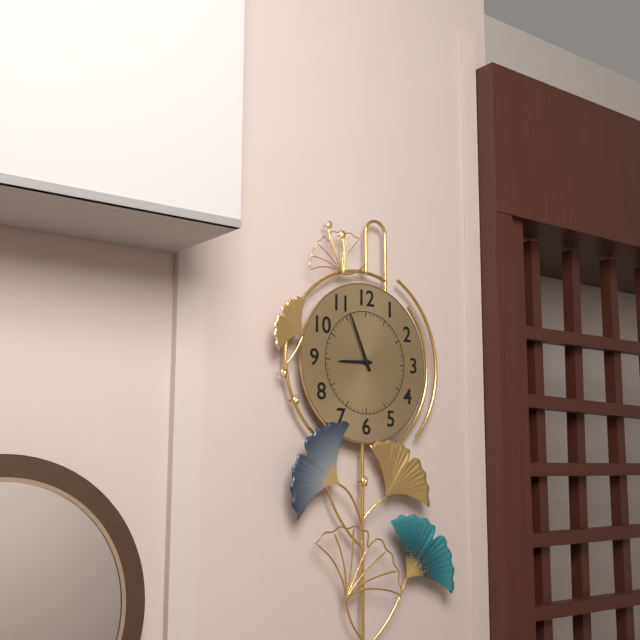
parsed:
8:56
